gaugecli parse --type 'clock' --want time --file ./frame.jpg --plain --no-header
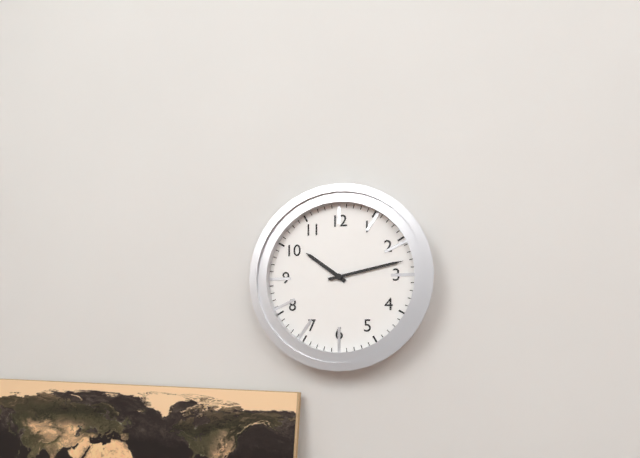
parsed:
10:13
